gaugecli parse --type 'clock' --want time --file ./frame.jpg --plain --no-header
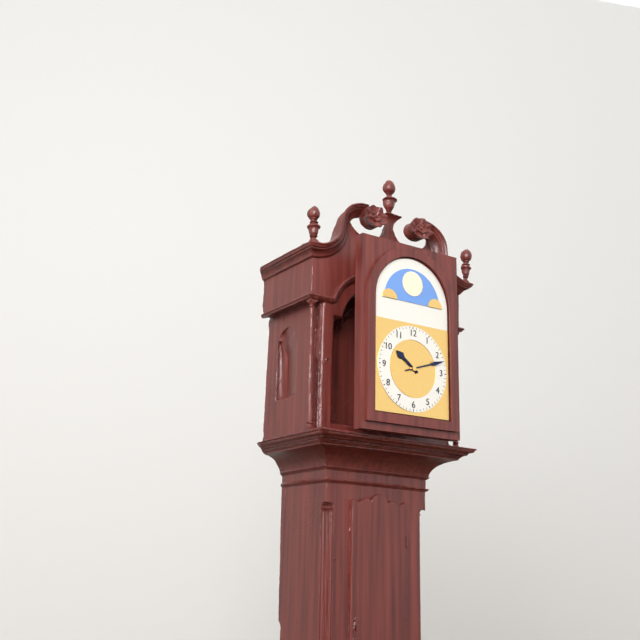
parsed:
10:12
